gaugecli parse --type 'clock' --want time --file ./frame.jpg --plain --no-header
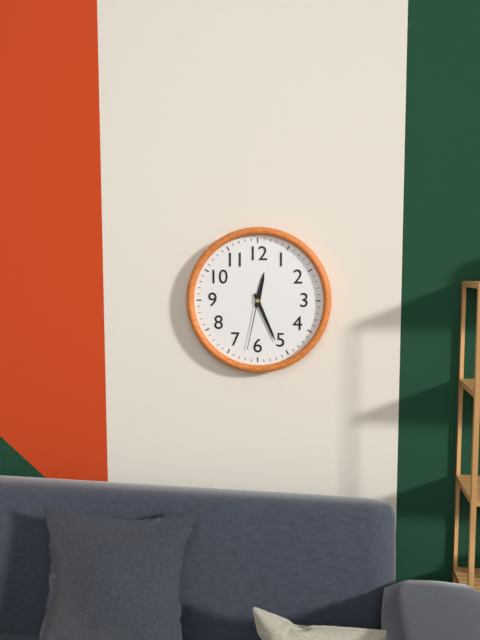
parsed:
12:26:32
